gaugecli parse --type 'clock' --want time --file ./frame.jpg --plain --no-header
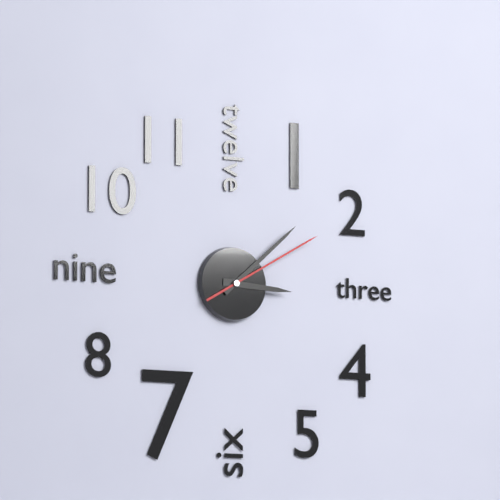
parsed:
3:08:10
